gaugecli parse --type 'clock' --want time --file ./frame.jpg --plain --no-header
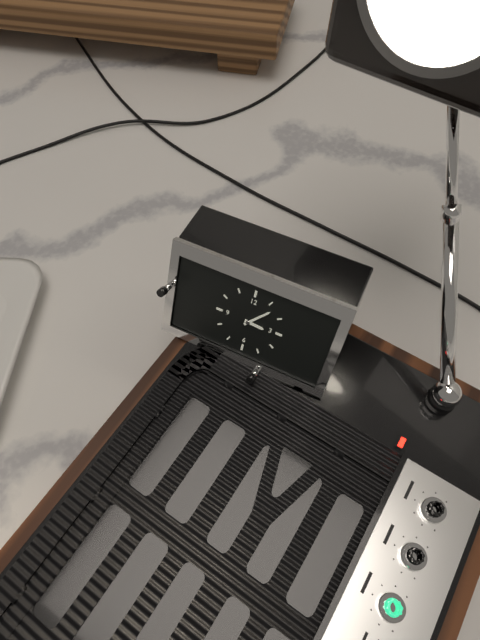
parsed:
3:07
